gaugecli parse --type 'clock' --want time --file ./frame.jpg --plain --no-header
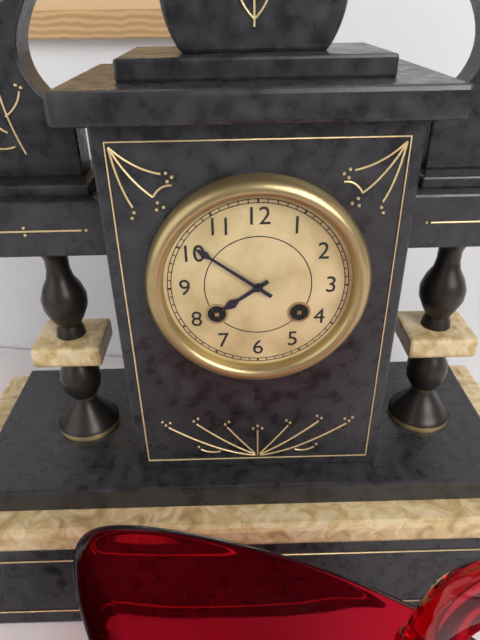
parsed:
7:51
